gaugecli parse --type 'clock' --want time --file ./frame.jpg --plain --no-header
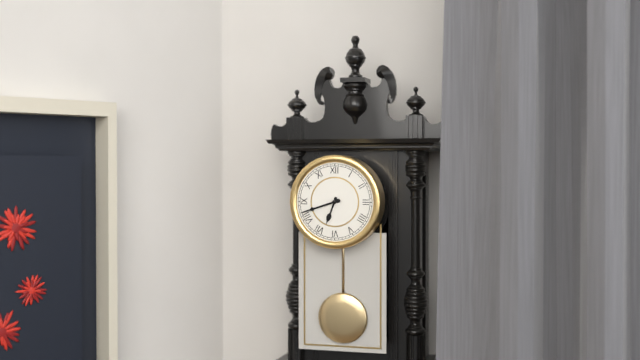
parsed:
6:42
